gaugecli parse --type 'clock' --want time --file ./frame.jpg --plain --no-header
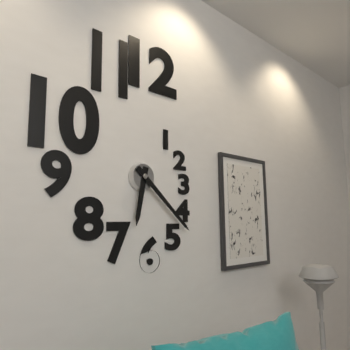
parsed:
6:22
